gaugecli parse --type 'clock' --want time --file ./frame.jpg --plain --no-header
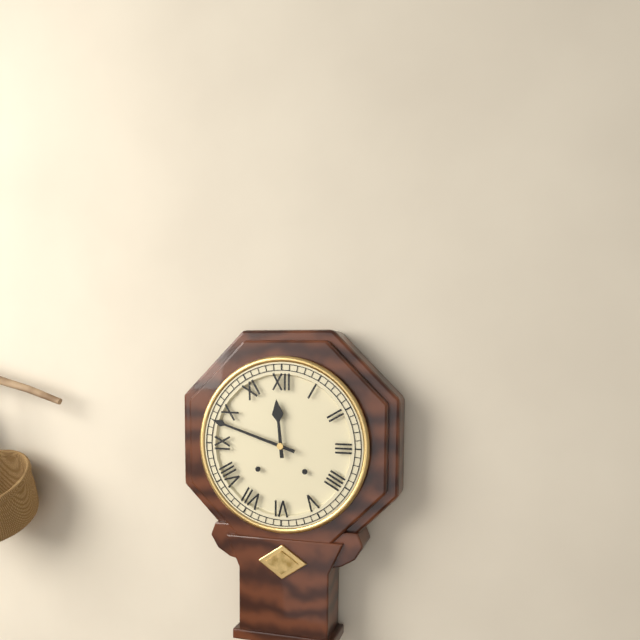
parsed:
11:48
